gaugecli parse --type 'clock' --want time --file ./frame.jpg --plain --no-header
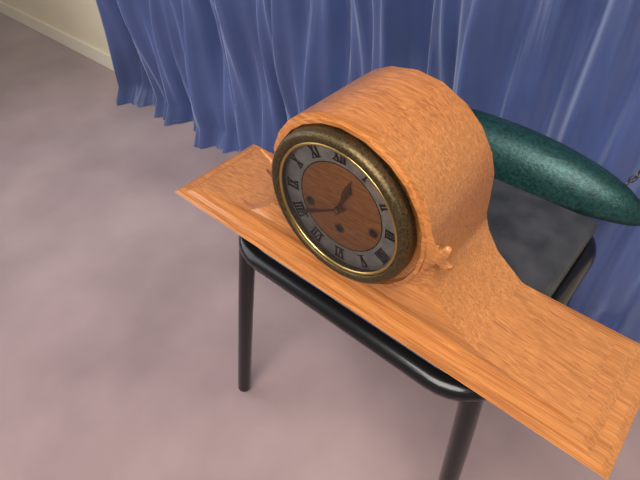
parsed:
12:40
